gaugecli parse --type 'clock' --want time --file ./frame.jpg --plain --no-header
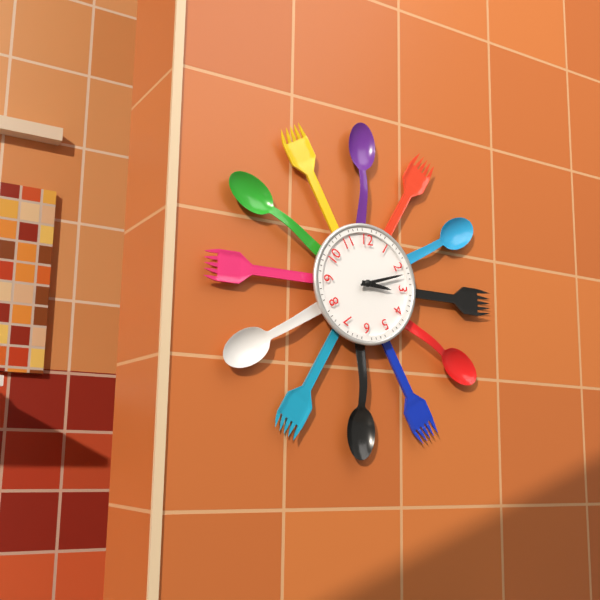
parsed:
3:12
